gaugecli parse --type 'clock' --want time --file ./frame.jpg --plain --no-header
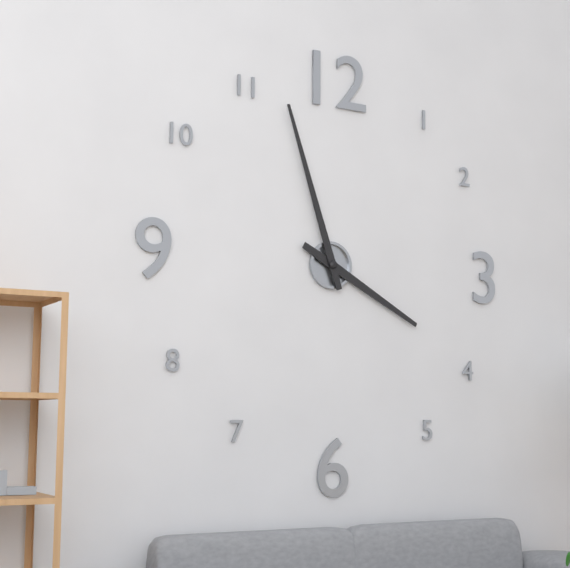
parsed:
3:57
